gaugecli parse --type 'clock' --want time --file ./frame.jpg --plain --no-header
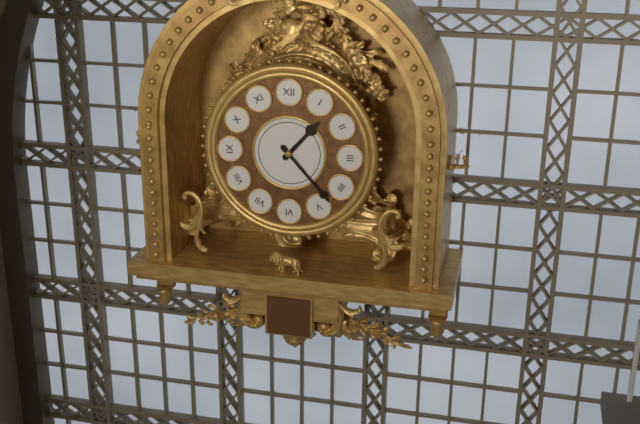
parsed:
1:23
